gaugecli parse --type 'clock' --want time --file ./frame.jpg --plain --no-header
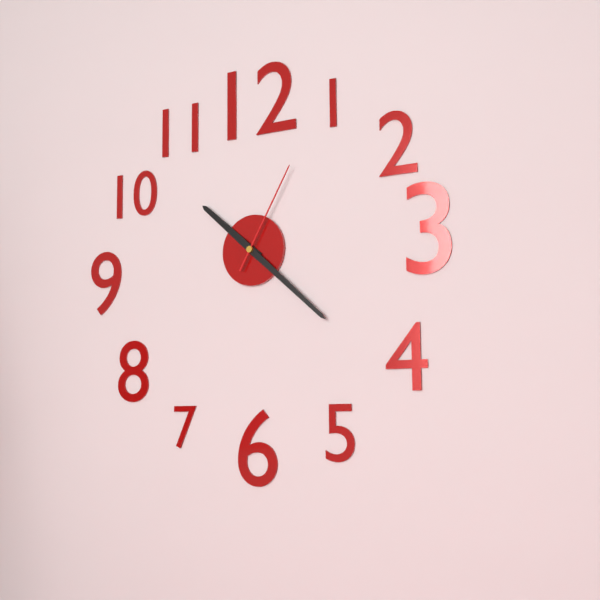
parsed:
10:22:05
